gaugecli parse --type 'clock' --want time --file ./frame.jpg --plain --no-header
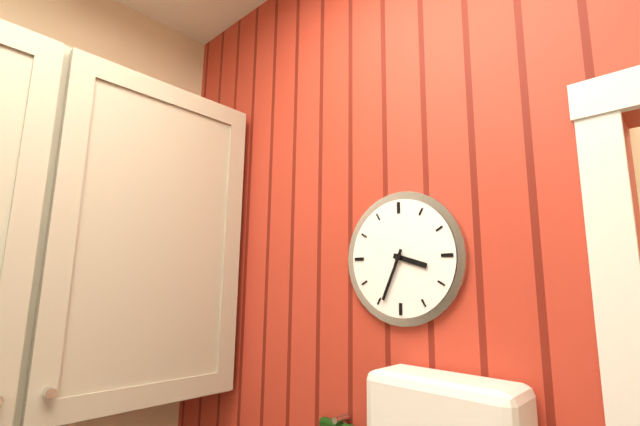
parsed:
3:34
